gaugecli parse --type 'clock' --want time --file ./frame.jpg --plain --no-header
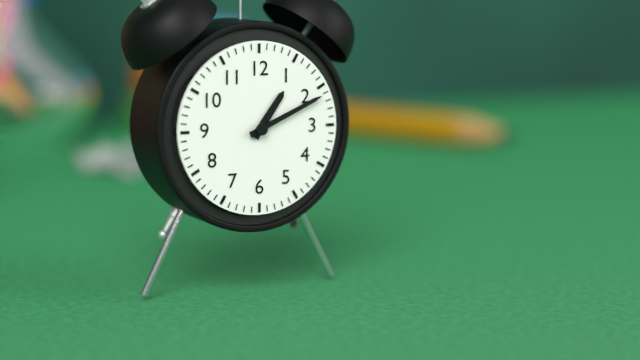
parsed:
1:11
